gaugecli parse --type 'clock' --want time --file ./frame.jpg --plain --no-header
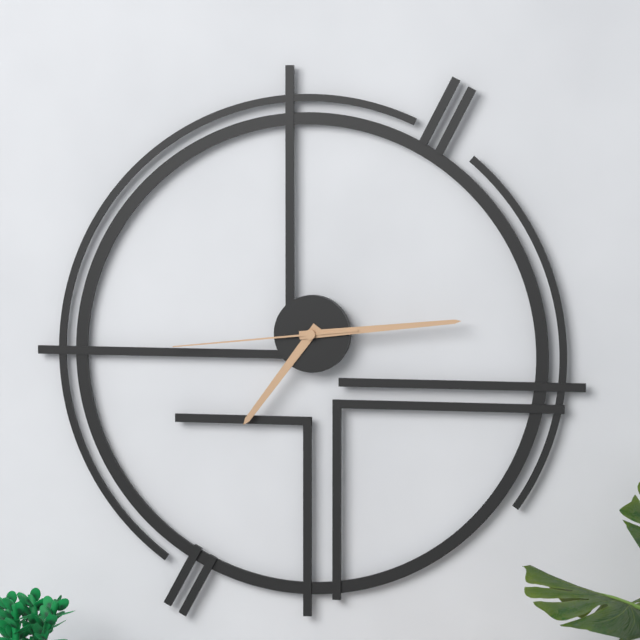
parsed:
7:14:44
